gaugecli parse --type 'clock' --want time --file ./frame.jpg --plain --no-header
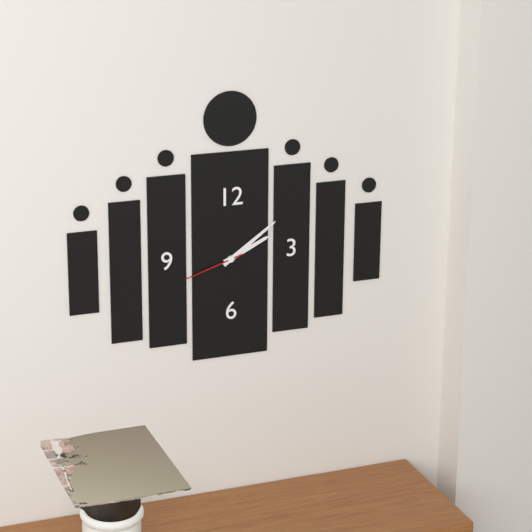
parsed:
2:09:42
